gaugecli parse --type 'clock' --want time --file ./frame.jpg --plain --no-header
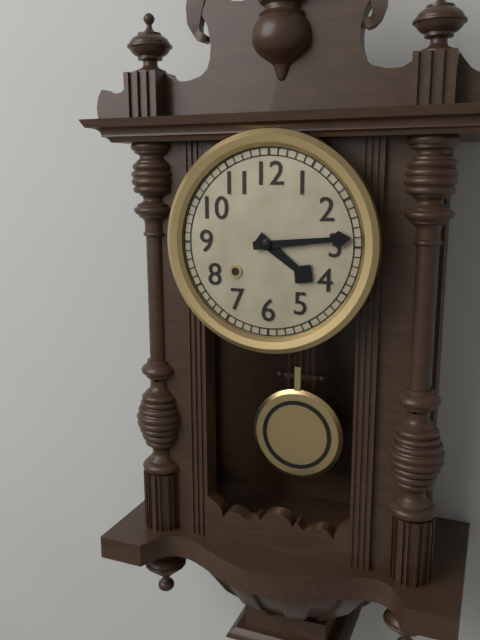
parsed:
4:14
